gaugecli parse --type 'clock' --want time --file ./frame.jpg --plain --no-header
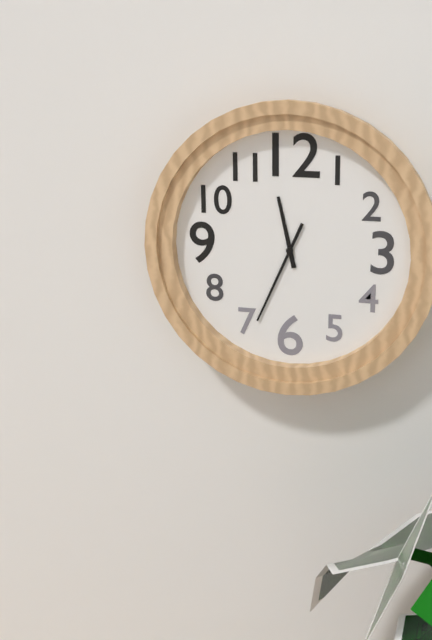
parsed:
11:34
